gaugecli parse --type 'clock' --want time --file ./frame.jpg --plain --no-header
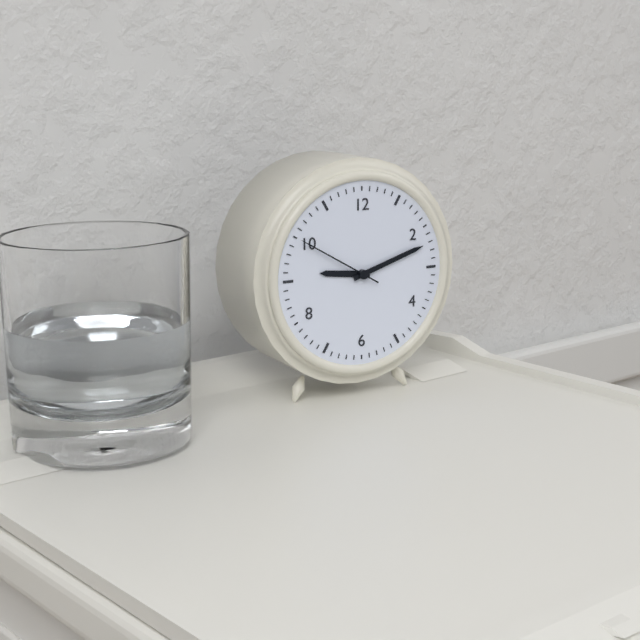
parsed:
9:12:50
